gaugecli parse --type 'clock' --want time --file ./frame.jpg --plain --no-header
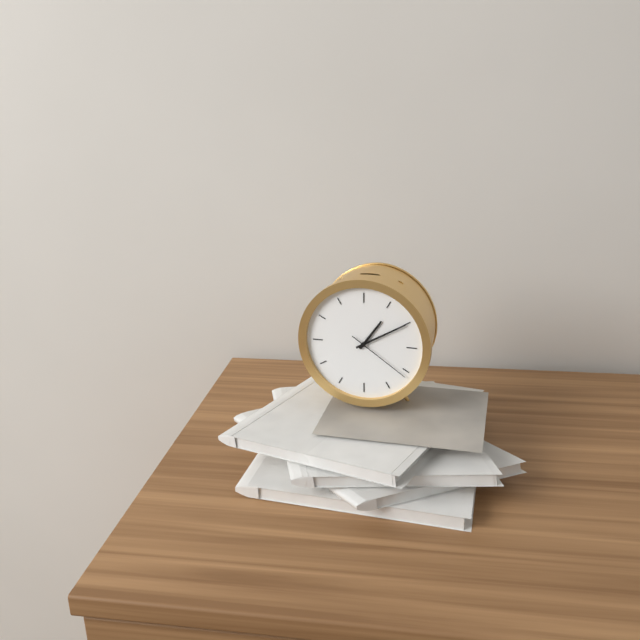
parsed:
1:10:21
